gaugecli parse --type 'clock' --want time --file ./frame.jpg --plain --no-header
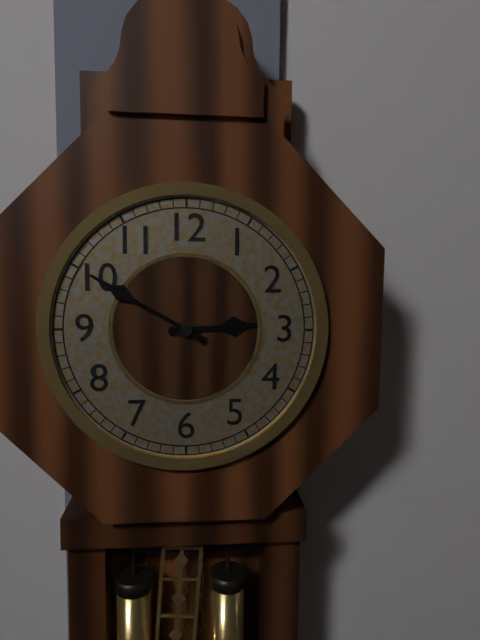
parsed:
2:50
